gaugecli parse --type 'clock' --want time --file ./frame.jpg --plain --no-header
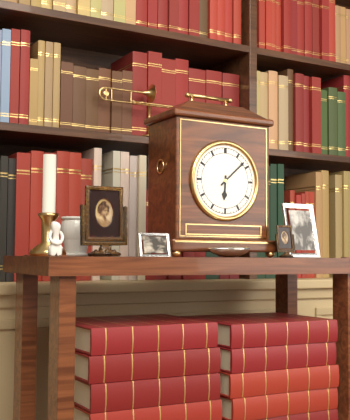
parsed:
6:08
